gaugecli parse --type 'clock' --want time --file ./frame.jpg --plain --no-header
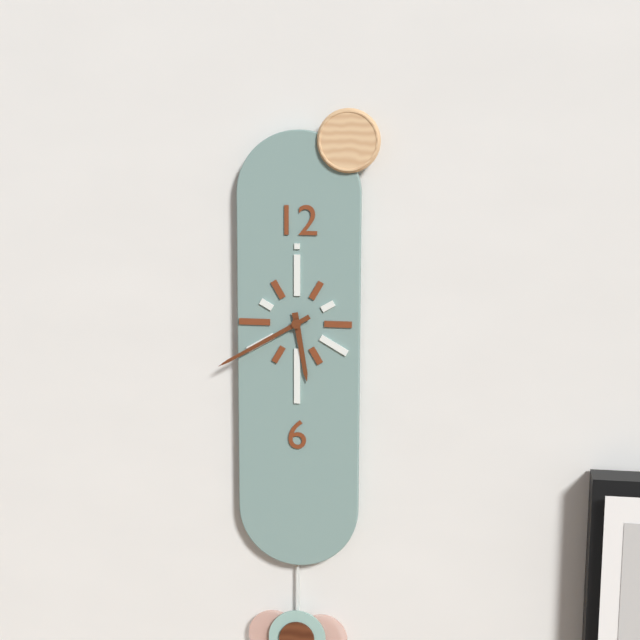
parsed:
5:40
